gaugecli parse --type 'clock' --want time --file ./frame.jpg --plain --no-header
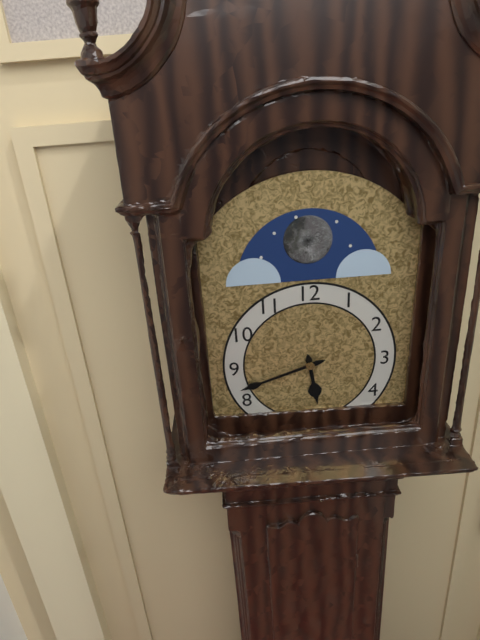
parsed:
5:42
